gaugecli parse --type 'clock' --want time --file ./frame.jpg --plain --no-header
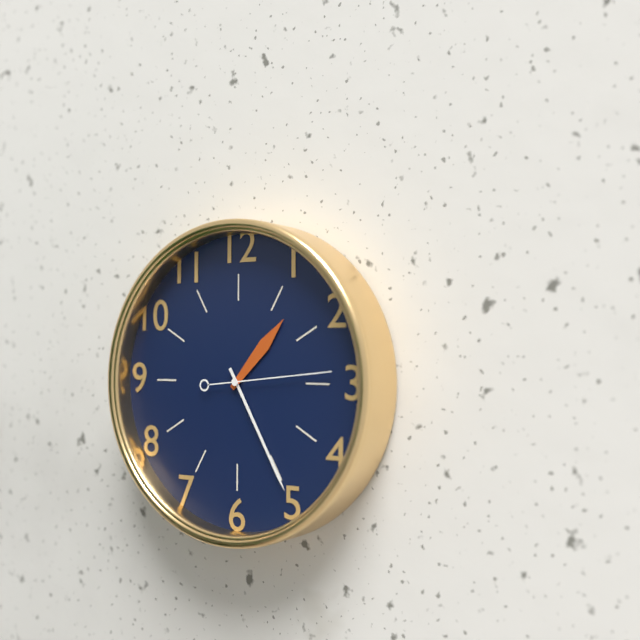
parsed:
1:25:14
